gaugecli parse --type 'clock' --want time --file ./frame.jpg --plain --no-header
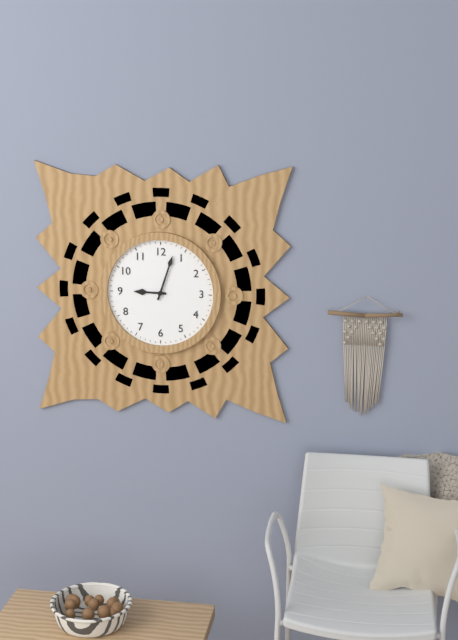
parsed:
9:03
